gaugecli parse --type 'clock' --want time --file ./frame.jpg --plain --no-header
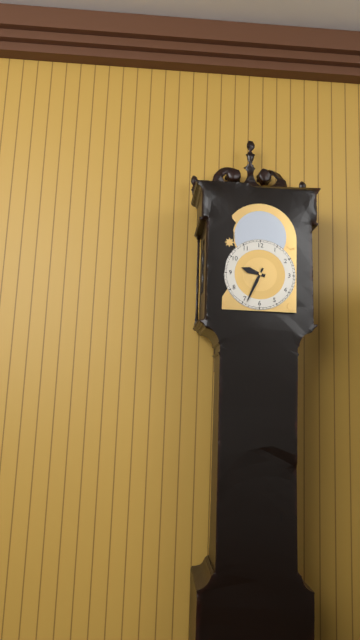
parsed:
9:34
